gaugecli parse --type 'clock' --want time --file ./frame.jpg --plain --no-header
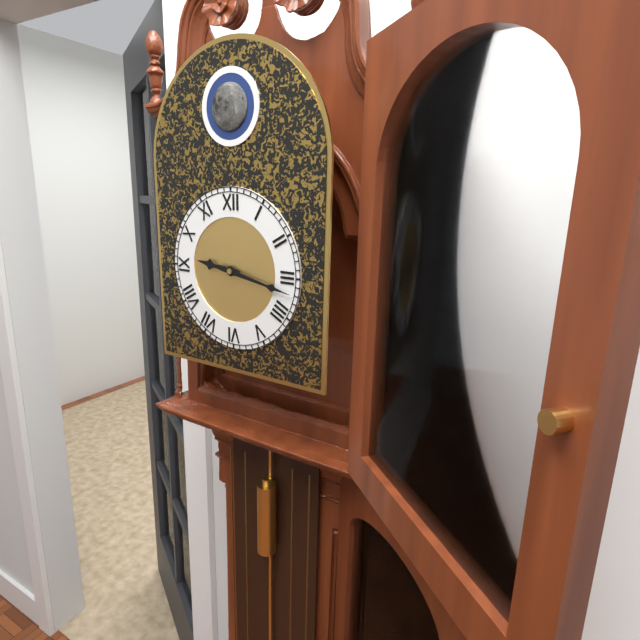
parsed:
9:17
